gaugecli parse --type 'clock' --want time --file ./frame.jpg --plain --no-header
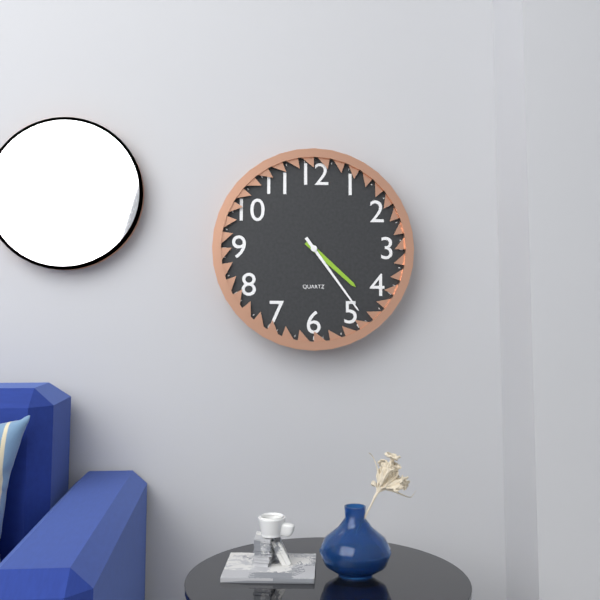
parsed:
4:24
